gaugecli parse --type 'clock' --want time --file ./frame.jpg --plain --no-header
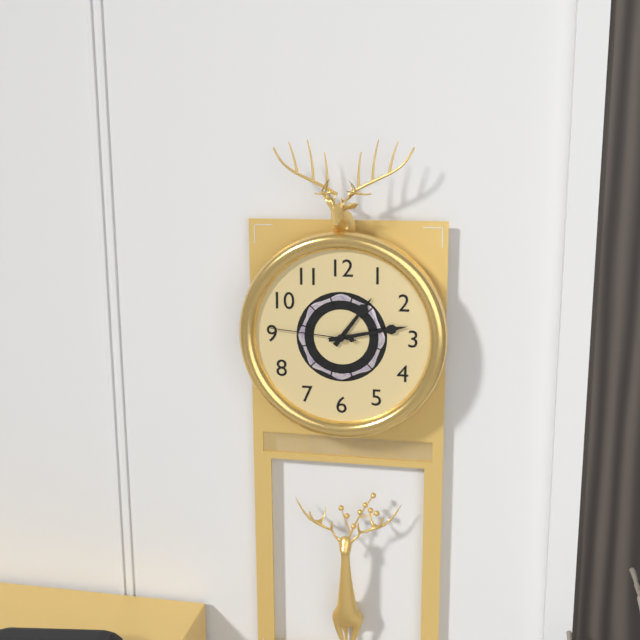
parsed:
1:13:46
